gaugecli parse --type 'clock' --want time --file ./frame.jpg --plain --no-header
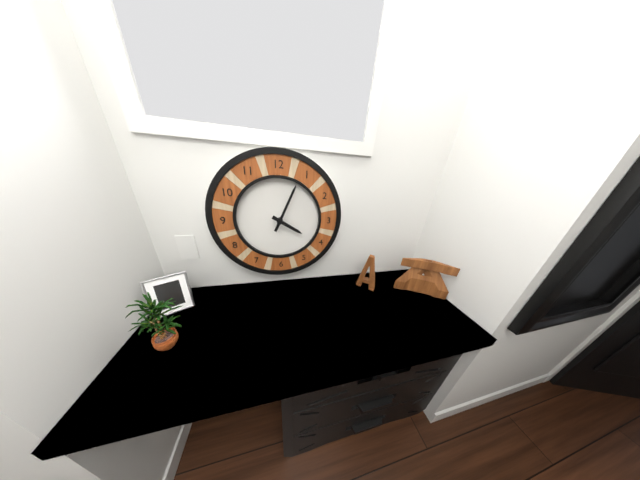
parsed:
4:04
